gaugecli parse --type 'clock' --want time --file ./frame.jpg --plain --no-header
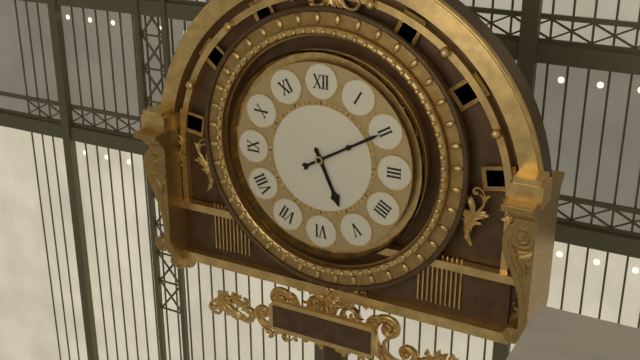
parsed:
5:10
